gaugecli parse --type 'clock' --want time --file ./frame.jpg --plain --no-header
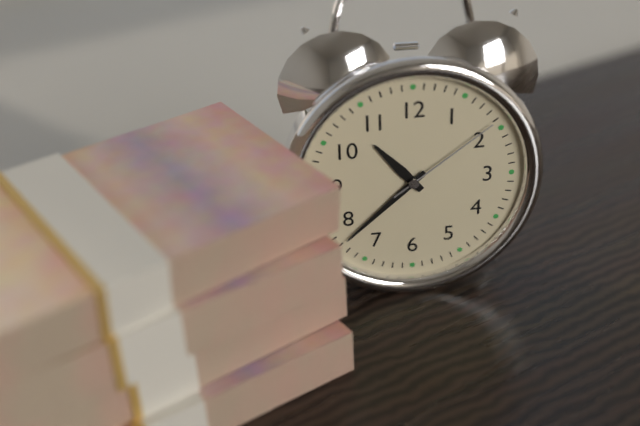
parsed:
10:38:09
